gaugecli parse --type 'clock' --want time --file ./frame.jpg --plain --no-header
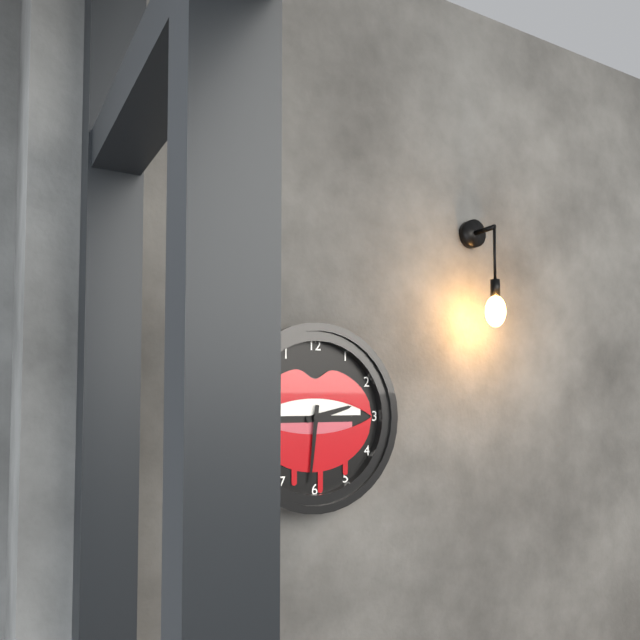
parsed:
2:31
